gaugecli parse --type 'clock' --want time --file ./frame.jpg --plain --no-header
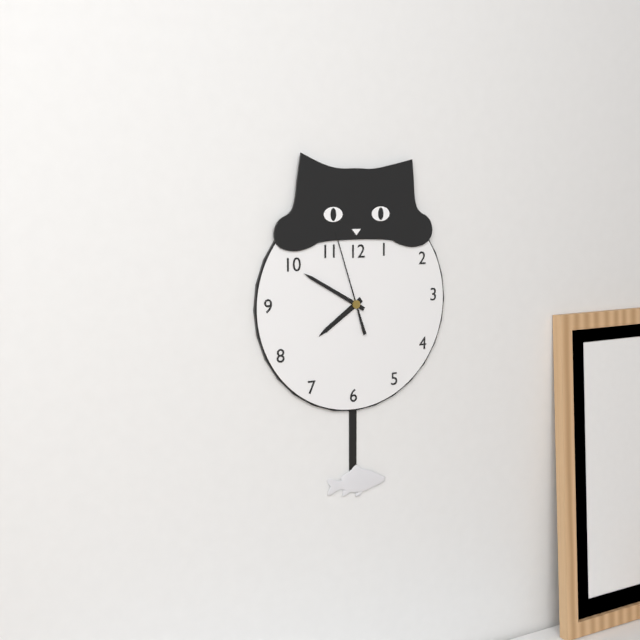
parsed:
7:50:57
